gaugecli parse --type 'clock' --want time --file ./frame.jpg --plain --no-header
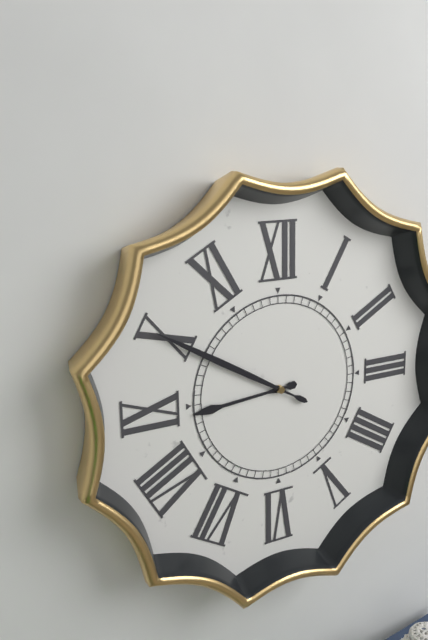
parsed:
8:50
